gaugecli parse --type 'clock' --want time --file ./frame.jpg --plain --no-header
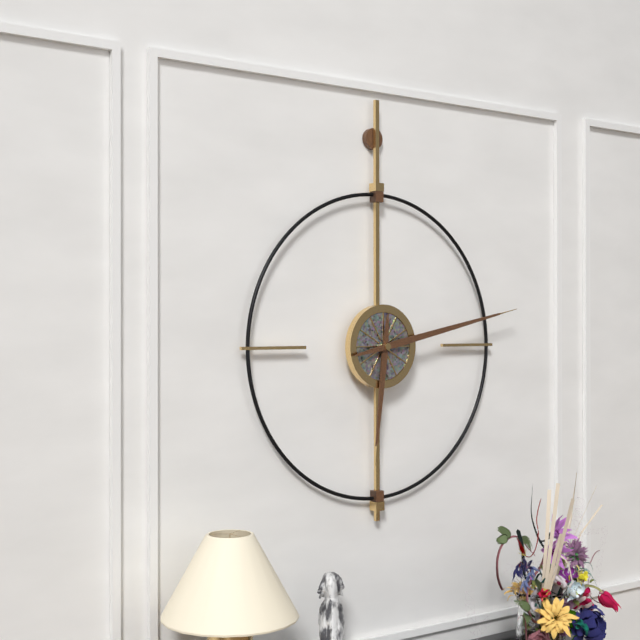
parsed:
6:13
